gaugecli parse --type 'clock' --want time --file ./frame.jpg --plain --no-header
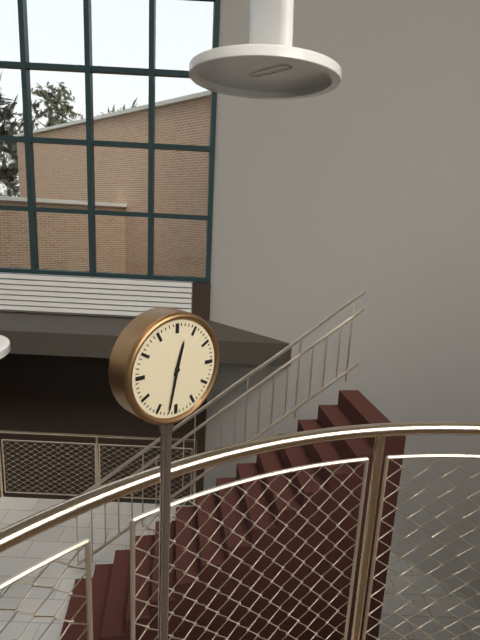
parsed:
12:32
